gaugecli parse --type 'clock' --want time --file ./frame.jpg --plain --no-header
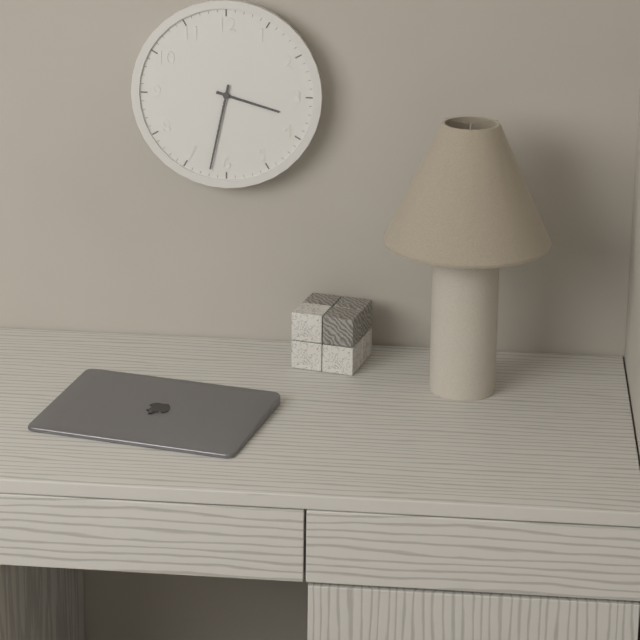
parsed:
3:32
